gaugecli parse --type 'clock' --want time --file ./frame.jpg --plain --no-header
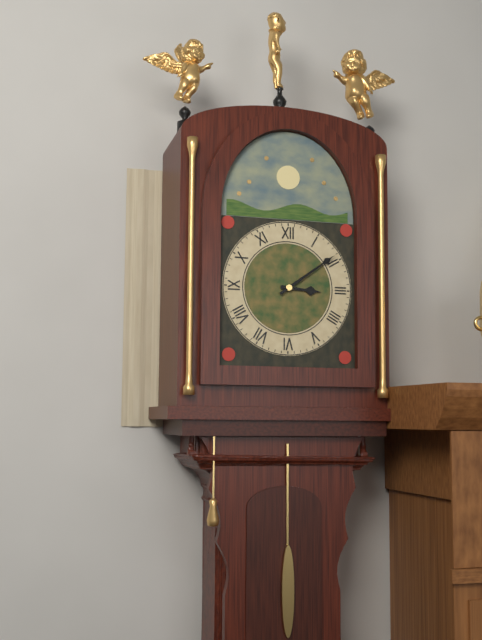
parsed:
3:09
